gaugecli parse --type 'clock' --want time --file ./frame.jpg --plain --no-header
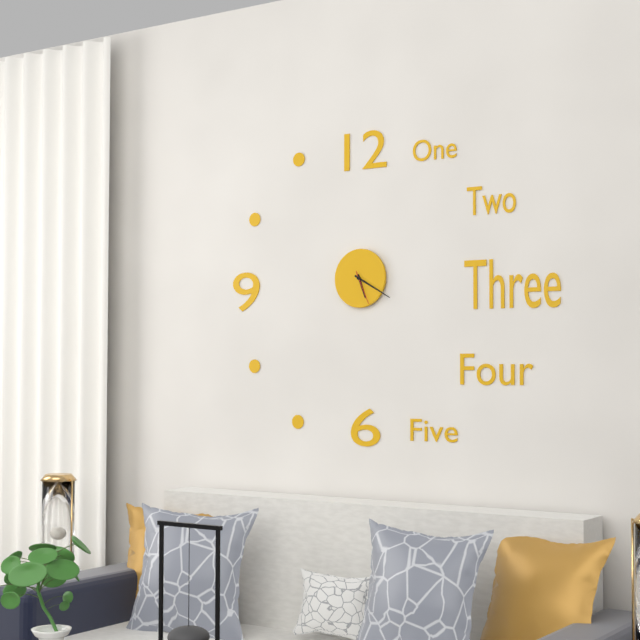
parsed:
5:20
